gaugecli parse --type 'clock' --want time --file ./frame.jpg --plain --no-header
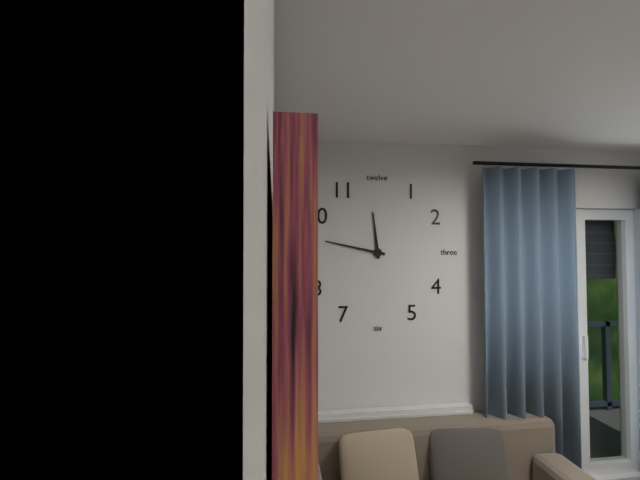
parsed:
11:47
